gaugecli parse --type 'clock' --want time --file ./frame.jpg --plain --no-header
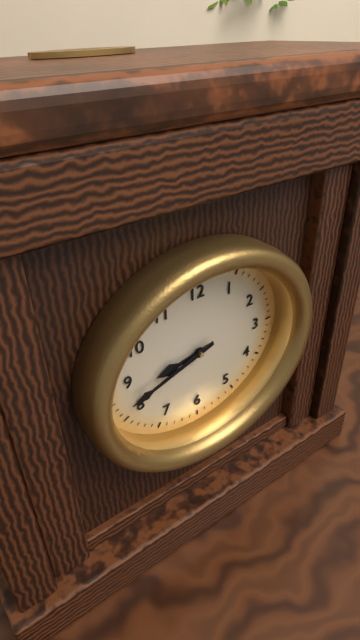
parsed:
8:42
